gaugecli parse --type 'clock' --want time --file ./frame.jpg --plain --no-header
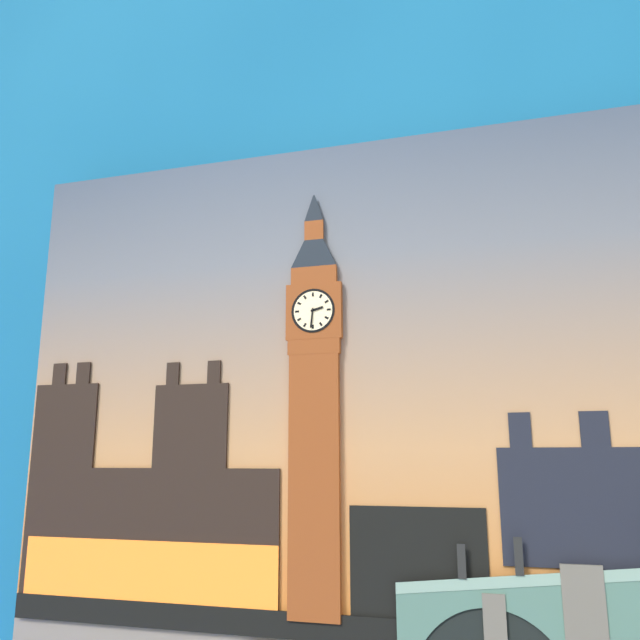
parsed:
2:31
